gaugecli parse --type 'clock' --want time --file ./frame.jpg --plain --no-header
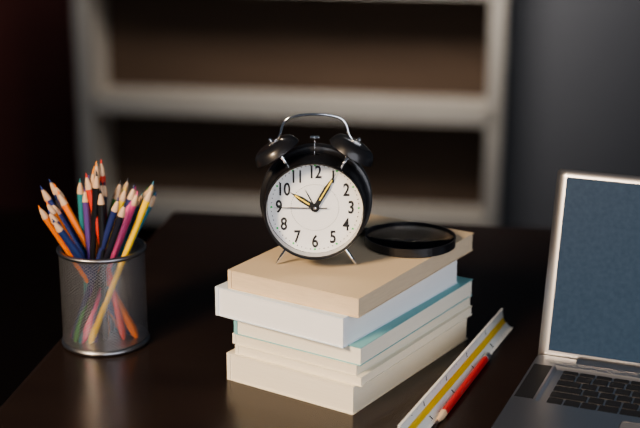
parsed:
10:05:45
